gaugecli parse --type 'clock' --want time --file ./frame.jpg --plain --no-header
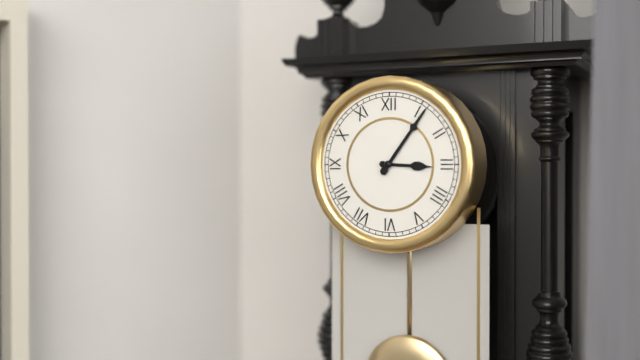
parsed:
3:06
